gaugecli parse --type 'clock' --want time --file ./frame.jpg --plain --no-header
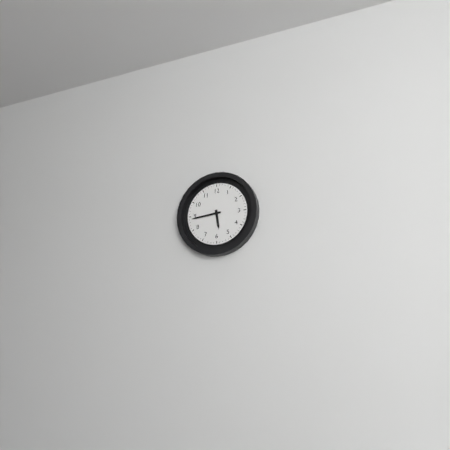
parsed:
5:44
